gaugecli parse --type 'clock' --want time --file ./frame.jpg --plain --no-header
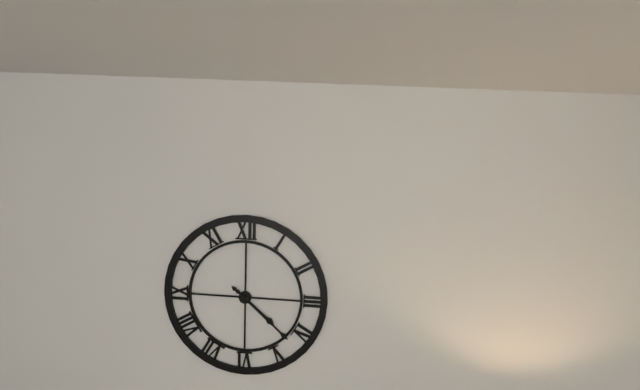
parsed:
4:22
